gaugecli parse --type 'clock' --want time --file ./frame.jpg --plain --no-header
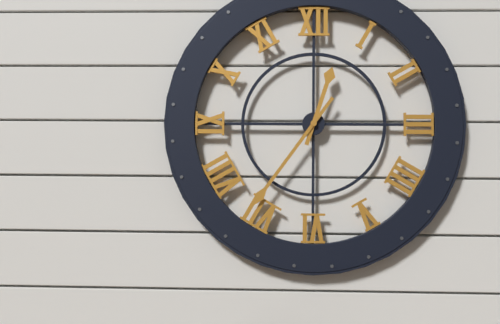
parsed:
12:36
